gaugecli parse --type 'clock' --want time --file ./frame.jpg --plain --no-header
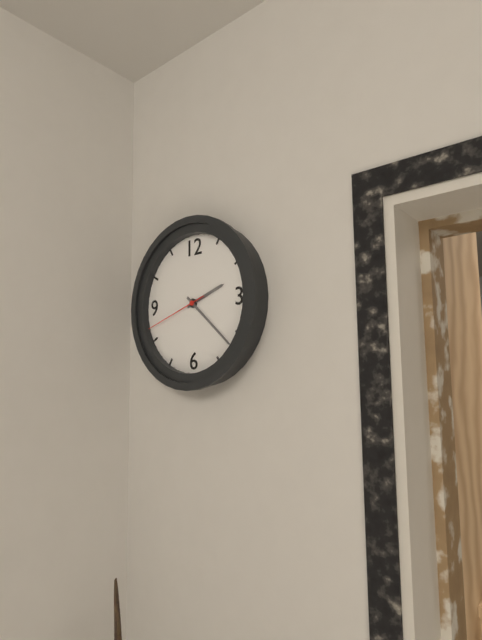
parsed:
2:22:42
